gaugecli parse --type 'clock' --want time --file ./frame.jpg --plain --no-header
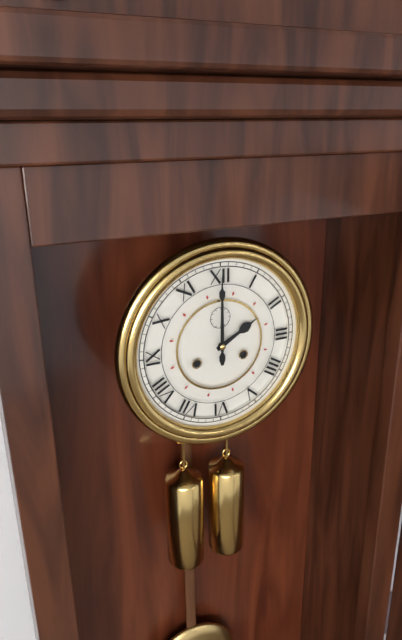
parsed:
2:00
